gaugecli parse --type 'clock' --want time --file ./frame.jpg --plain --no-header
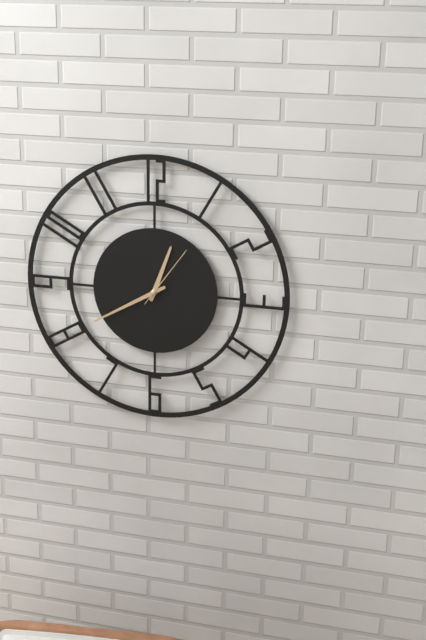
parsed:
12:40:06
